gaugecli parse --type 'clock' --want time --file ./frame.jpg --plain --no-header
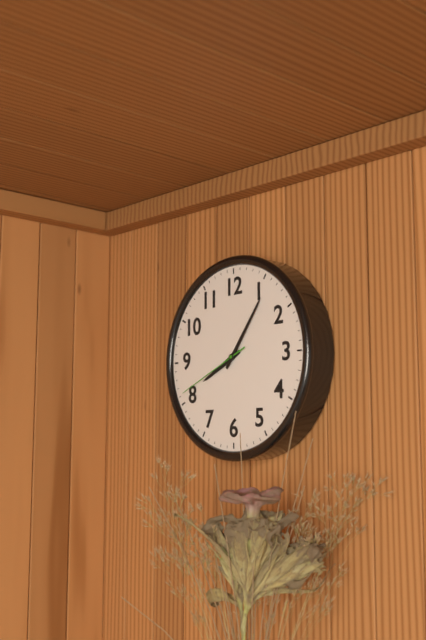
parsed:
8:06:41
